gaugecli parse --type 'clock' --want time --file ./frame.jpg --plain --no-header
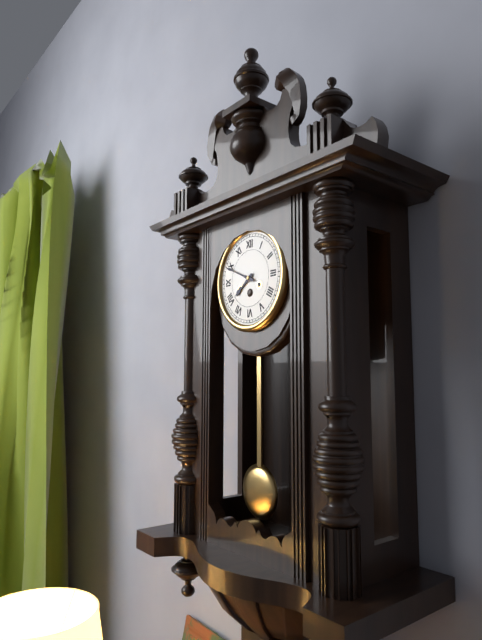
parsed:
7:49
